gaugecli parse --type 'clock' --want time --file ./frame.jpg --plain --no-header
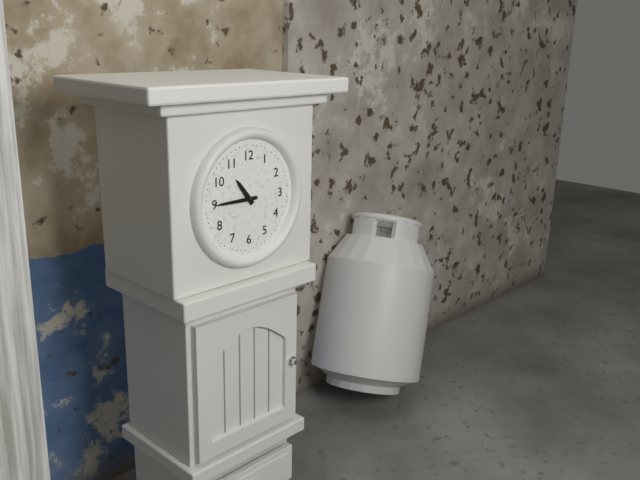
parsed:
10:45
